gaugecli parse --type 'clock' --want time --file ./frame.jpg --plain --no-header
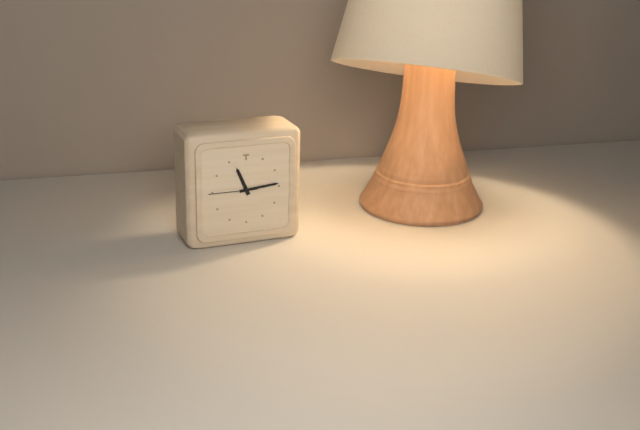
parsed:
11:14
